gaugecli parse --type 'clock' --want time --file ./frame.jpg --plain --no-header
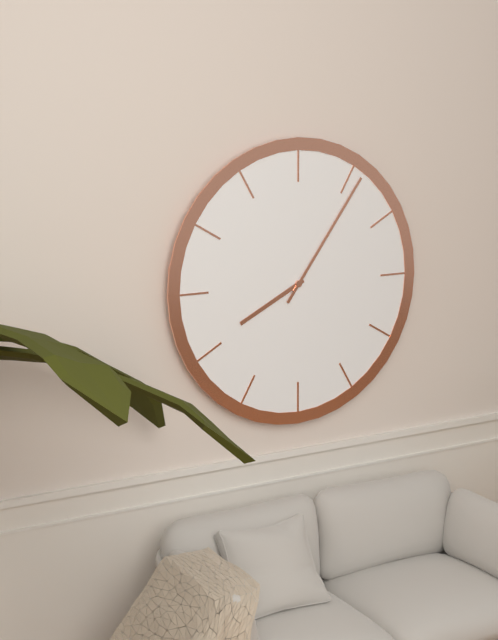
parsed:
8:06
